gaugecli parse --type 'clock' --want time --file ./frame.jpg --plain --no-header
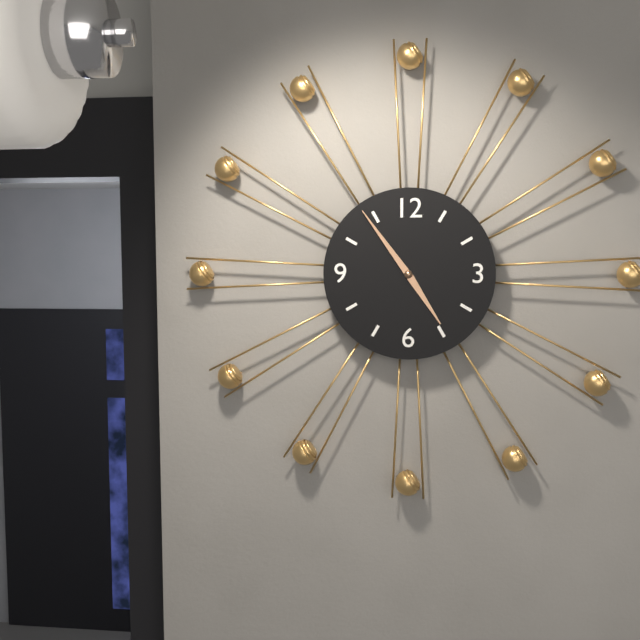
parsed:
4:54
